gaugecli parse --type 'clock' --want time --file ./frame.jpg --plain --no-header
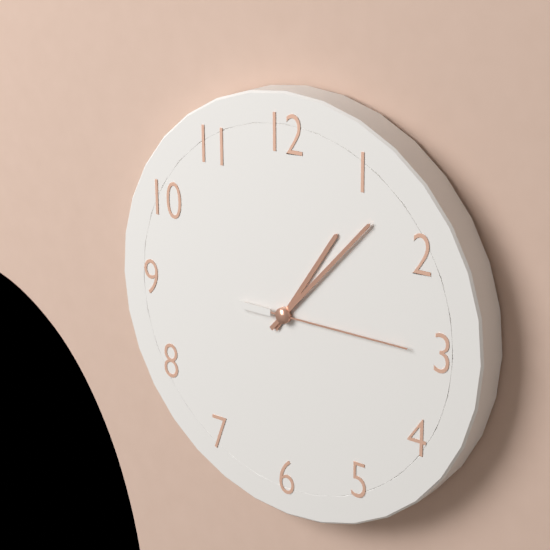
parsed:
1:07:15
